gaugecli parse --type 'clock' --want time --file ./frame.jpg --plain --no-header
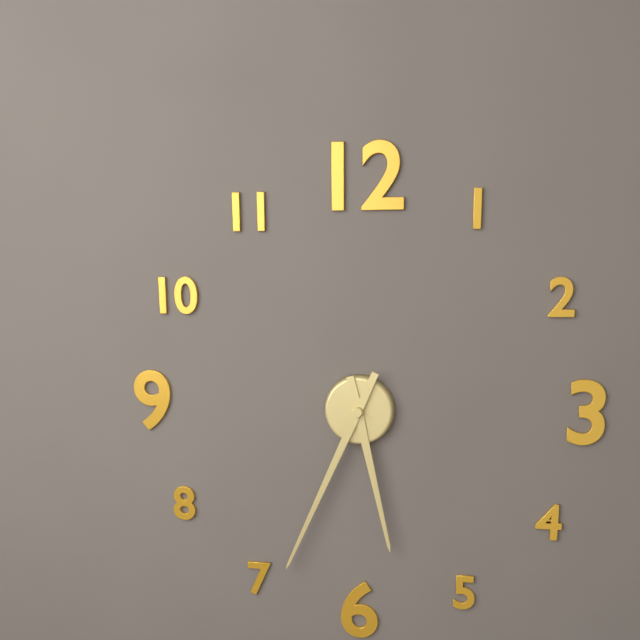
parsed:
5:34
